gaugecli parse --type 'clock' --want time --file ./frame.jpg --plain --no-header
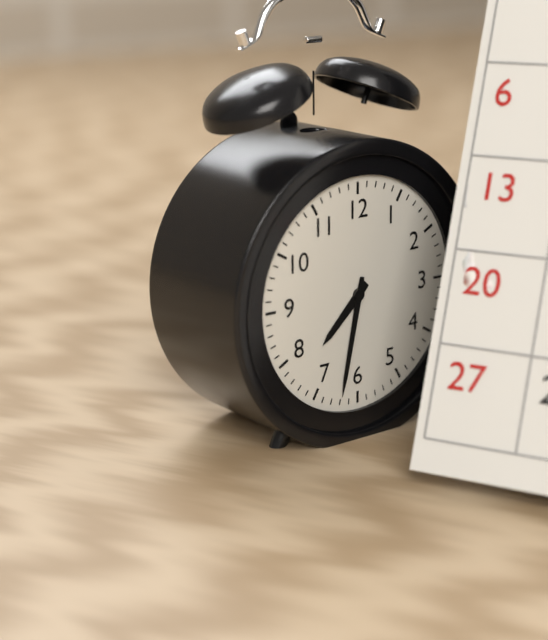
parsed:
7:32
